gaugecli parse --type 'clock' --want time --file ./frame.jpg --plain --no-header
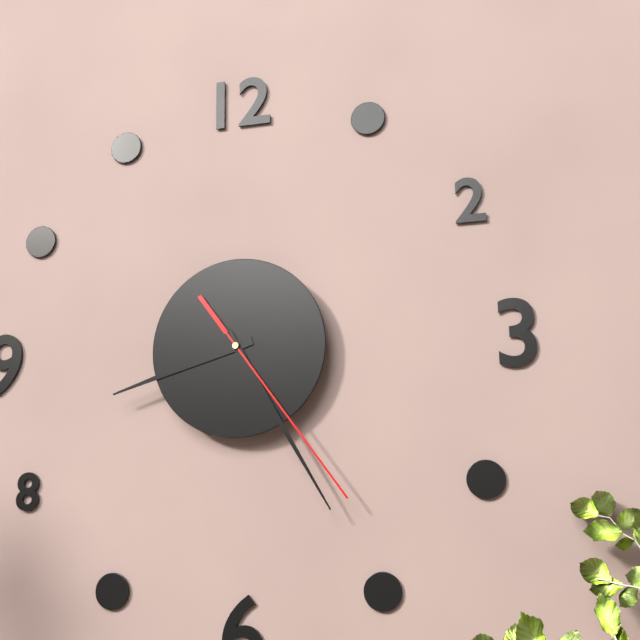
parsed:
8:25:24
